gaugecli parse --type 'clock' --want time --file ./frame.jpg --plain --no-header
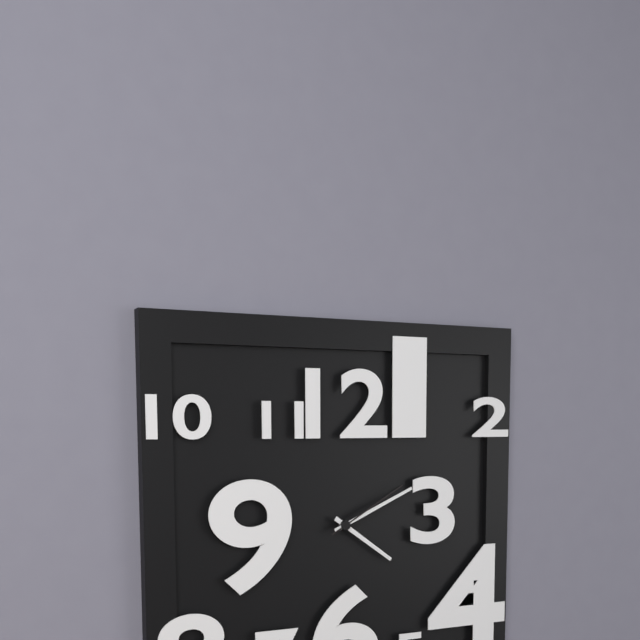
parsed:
4:11:10
